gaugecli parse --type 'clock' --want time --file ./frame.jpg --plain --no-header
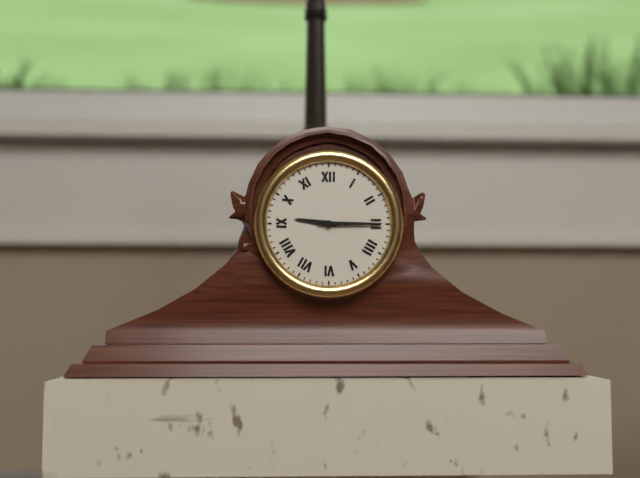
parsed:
9:15
